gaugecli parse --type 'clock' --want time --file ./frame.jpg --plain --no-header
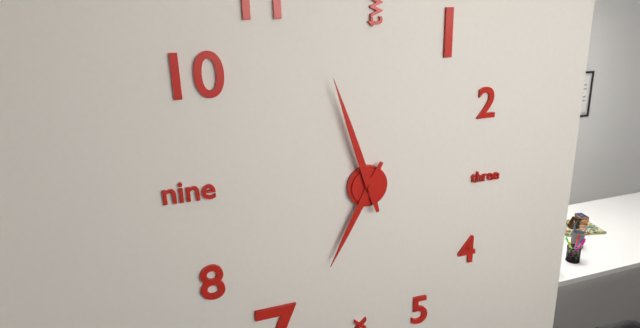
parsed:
6:57
